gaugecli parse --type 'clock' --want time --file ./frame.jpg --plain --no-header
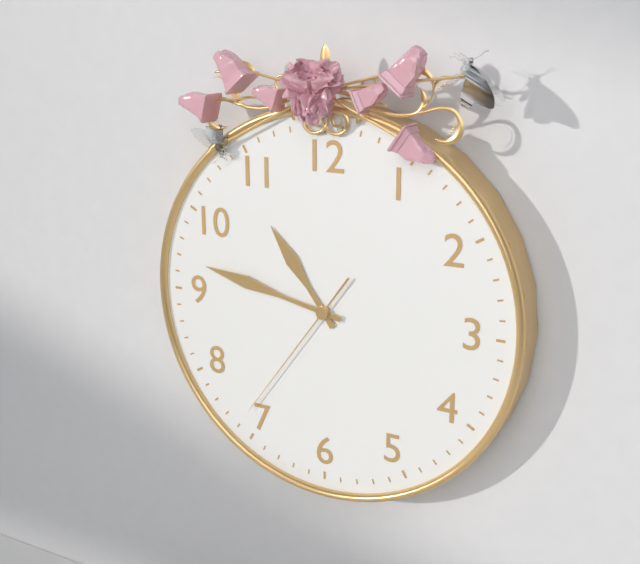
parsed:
10:47:36
